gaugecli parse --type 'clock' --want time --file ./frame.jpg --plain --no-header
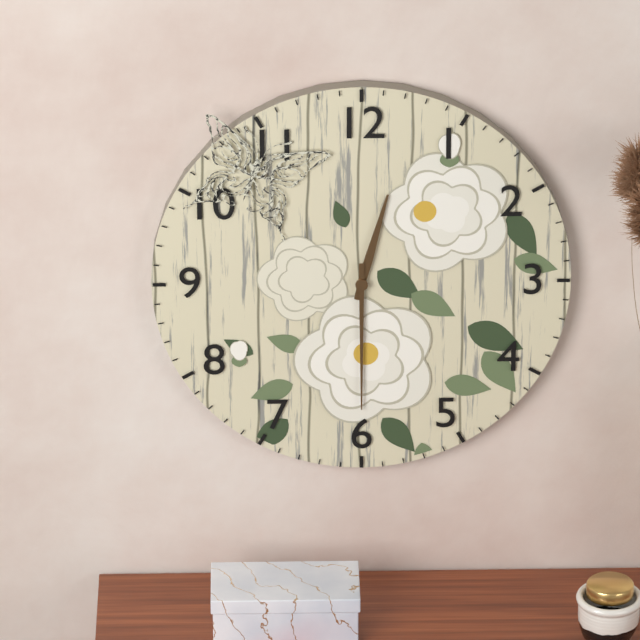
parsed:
12:30
